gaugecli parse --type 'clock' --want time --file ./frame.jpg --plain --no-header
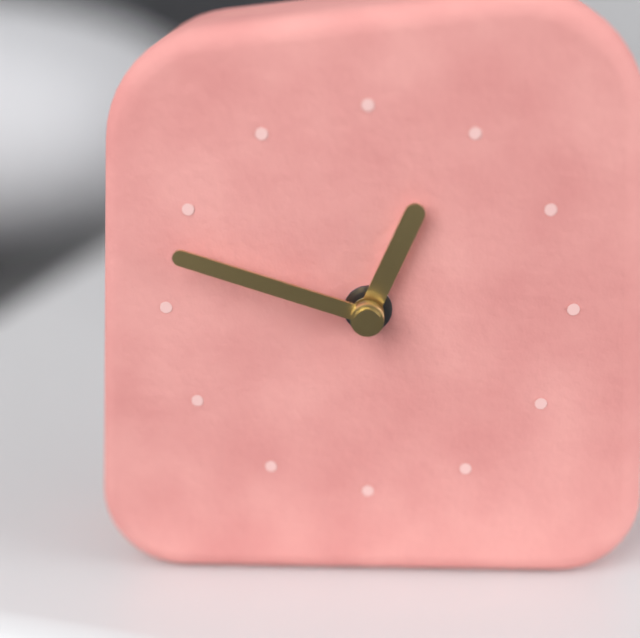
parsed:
12:48
